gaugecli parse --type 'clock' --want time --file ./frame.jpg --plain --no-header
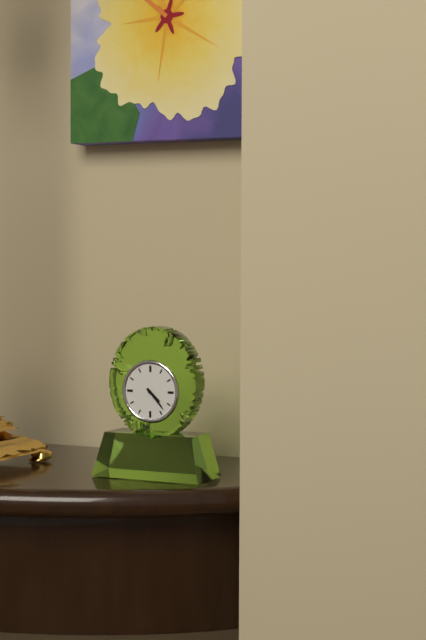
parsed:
4:23
